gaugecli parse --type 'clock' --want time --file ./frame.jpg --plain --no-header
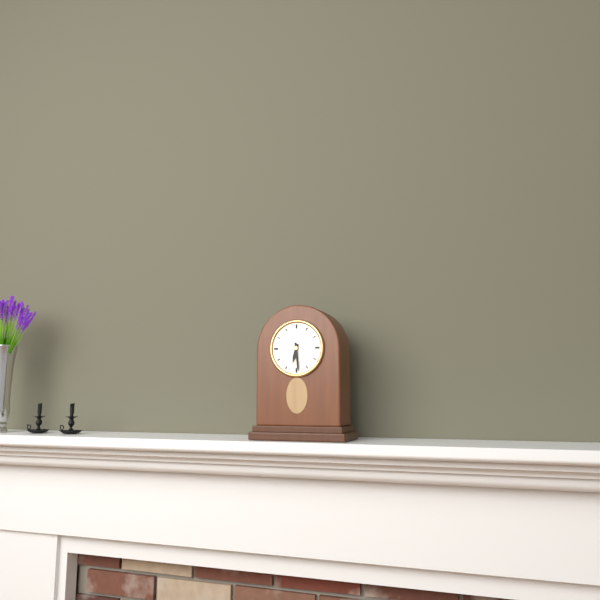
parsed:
6:29
